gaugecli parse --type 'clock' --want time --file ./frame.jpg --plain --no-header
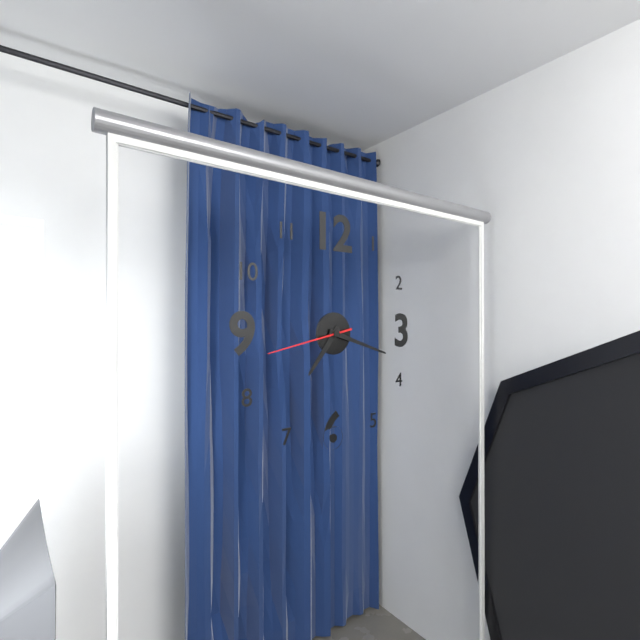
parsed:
7:18:43
